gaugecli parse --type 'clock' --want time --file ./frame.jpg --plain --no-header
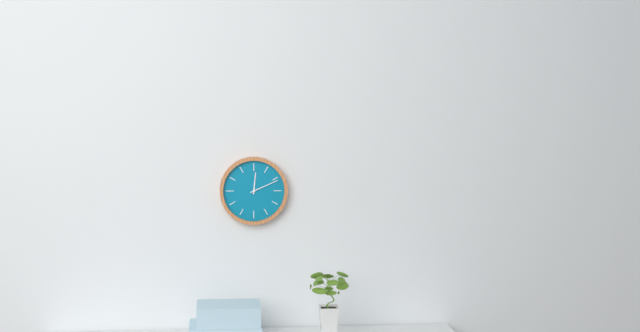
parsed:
12:11
